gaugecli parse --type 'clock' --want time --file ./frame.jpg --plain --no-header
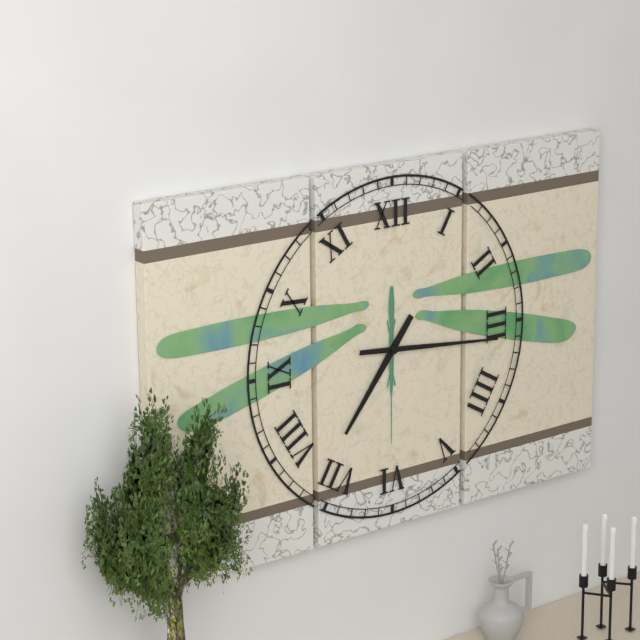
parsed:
7:16
